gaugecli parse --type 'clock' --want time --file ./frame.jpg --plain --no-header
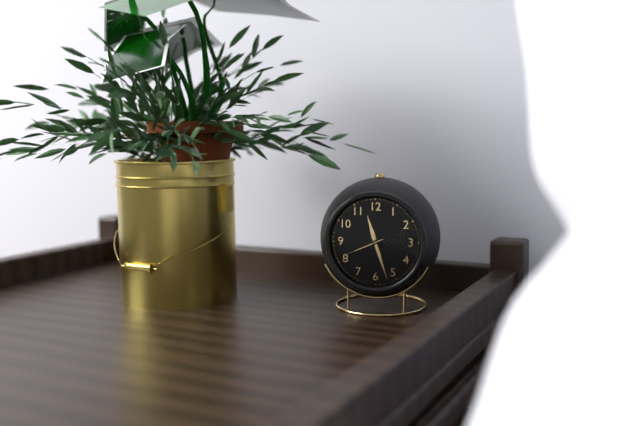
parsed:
11:27
